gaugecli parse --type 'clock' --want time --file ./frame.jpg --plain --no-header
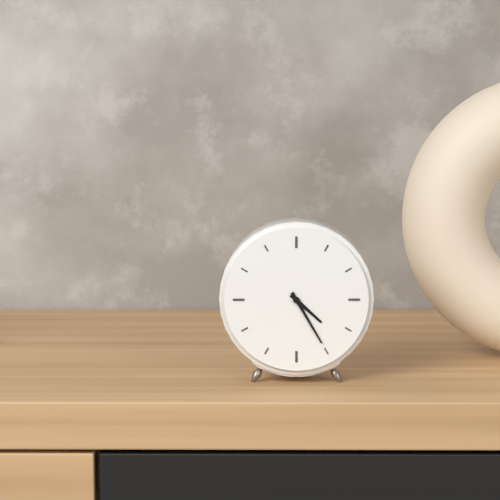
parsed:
4:25
